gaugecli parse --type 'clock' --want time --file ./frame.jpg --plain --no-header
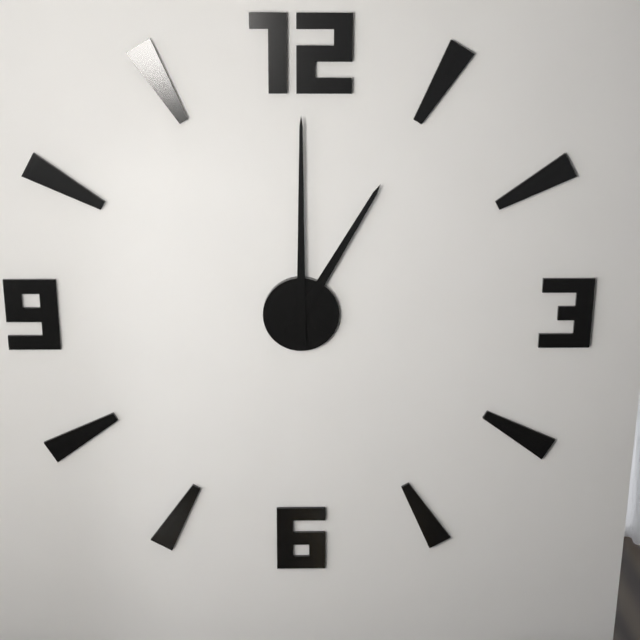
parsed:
1:00
